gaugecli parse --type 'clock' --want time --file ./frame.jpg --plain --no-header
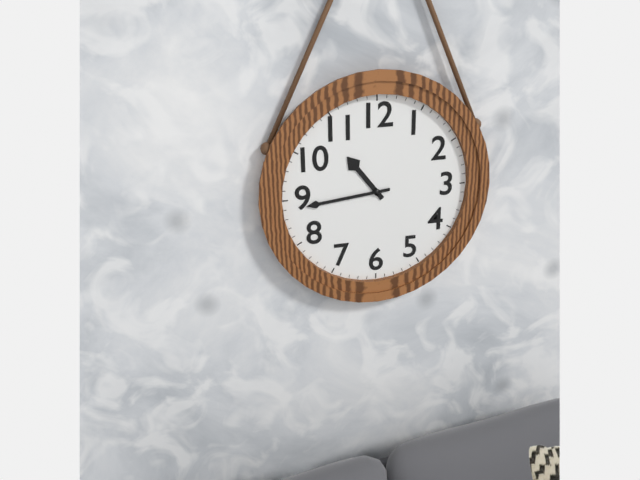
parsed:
10:44
